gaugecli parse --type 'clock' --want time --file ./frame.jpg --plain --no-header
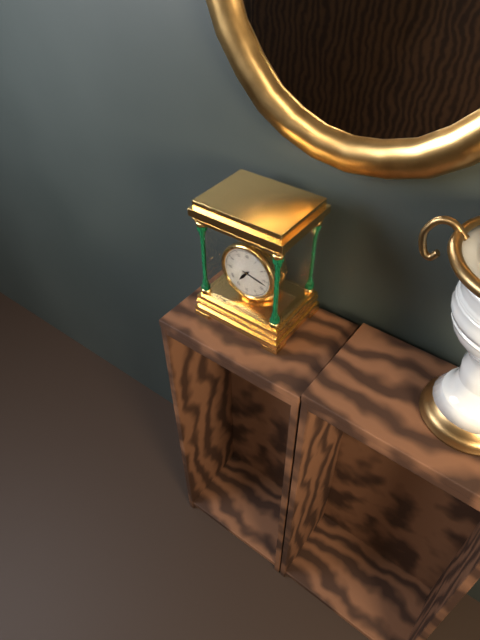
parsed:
7:17
